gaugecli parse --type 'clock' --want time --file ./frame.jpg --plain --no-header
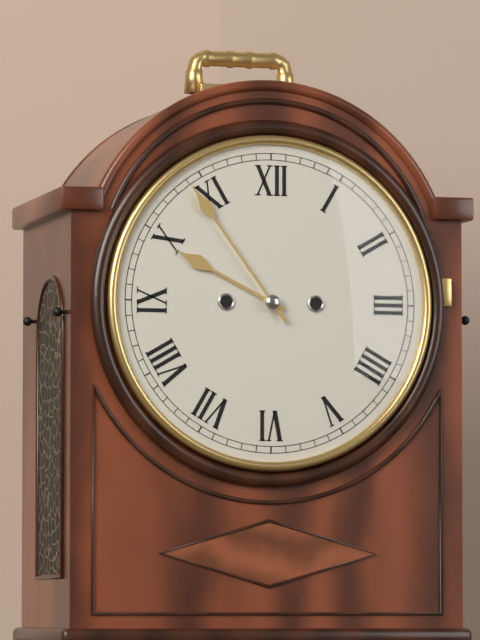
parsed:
9:54
